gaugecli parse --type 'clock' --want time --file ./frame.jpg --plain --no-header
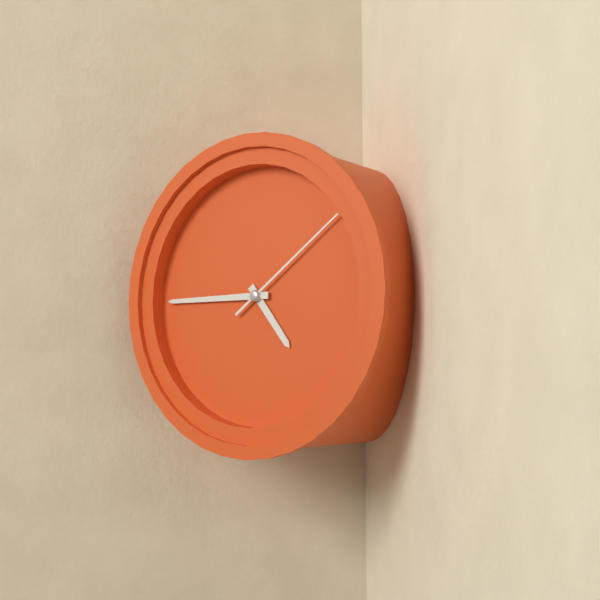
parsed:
4:45:09
